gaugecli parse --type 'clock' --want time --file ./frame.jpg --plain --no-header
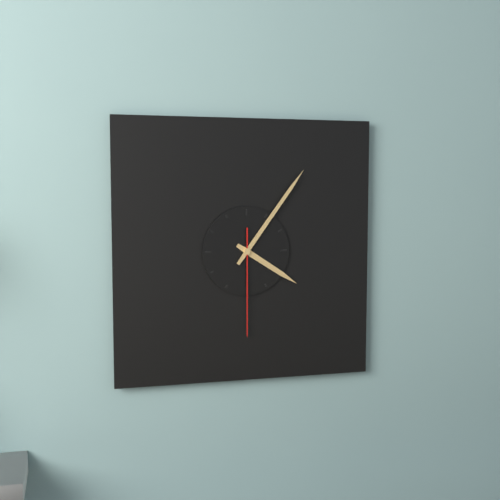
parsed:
4:06:30
